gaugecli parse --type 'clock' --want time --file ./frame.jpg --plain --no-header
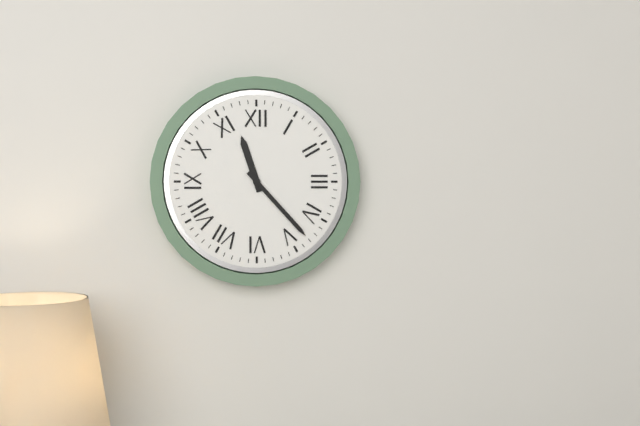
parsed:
11:23
